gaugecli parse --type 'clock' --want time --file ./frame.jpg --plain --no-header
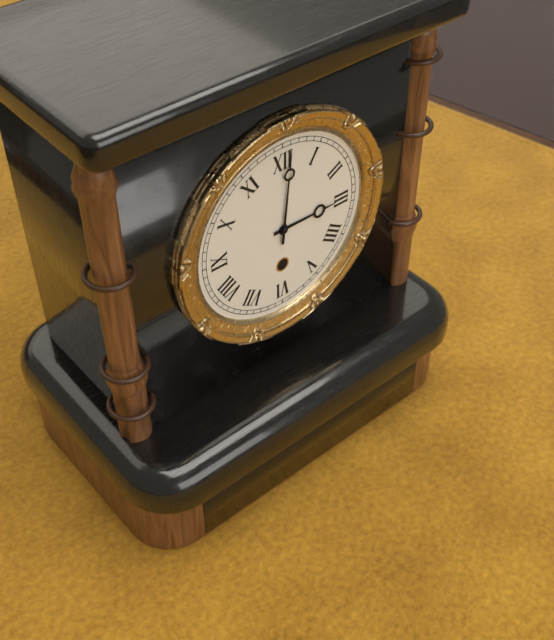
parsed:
3:01
